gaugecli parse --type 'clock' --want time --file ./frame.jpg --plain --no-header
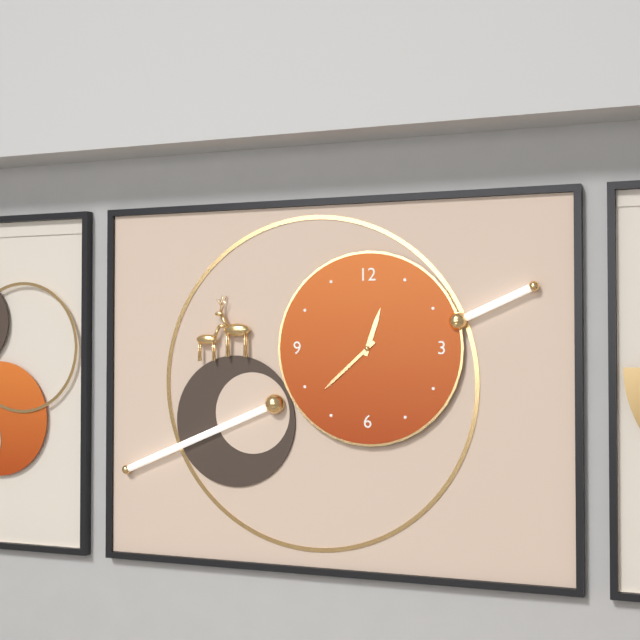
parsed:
12:38
